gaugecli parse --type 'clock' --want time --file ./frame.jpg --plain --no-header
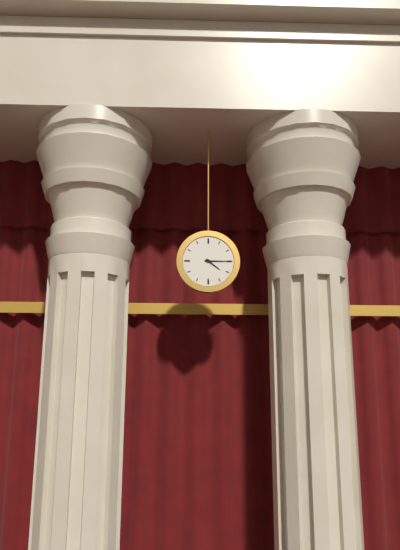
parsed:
4:15
